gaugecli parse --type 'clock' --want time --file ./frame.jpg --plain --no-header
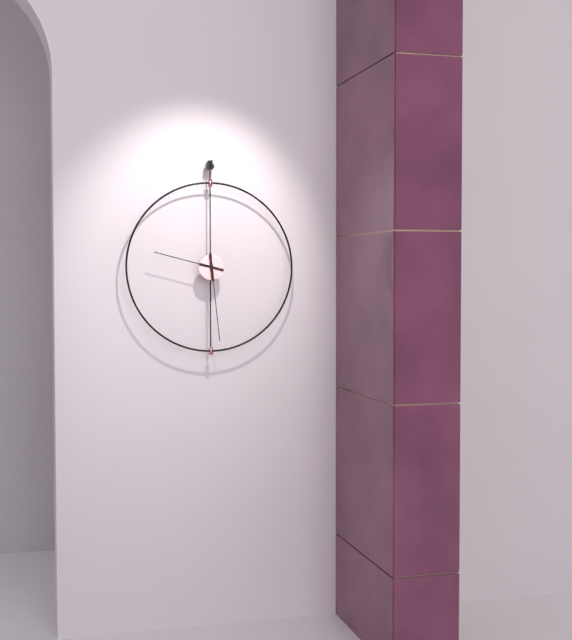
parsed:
9:29
